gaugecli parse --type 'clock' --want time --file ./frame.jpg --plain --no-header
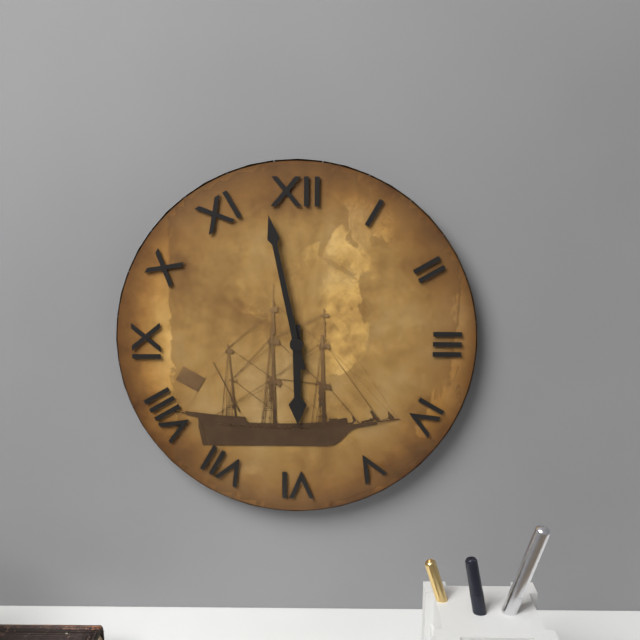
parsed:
5:58
